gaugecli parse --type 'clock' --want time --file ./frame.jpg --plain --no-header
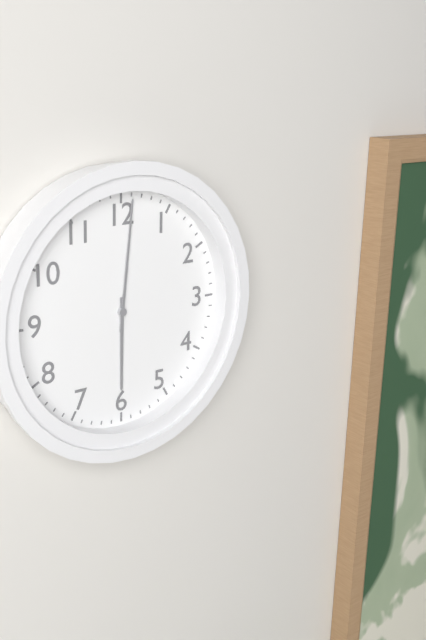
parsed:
6:01
